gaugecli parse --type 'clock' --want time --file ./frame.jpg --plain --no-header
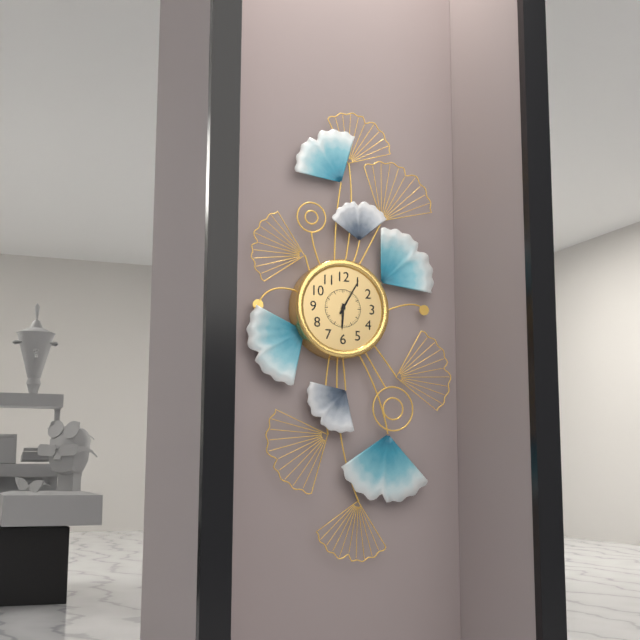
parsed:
6:05
